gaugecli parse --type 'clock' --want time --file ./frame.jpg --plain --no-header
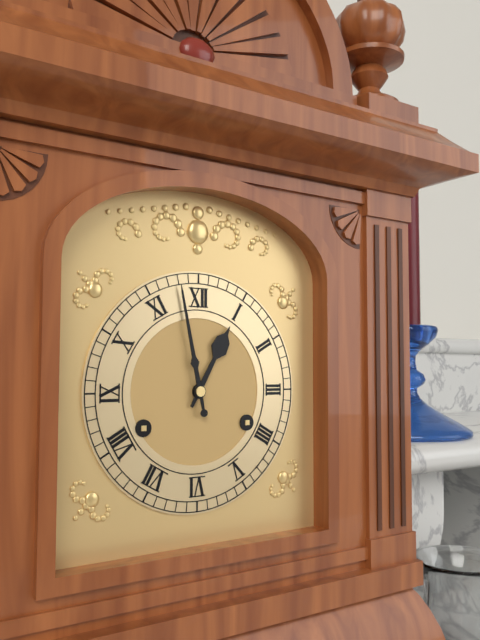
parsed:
12:58
